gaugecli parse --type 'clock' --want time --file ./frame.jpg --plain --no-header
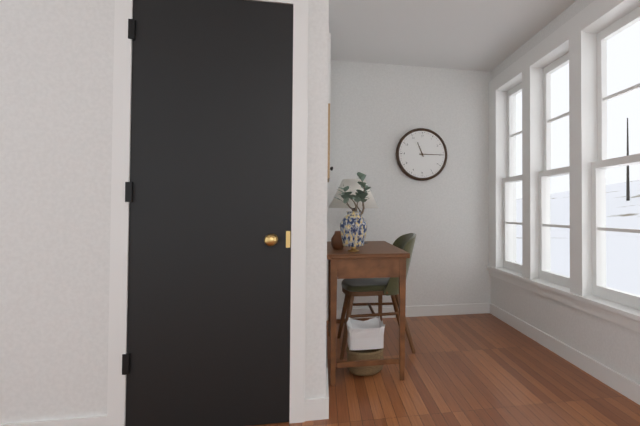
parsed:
11:15
